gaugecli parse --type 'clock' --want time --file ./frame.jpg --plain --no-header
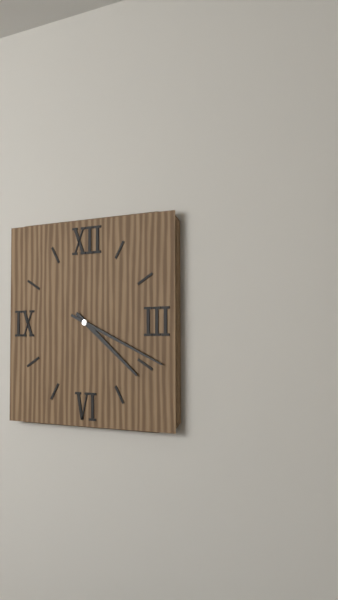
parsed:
4:19
